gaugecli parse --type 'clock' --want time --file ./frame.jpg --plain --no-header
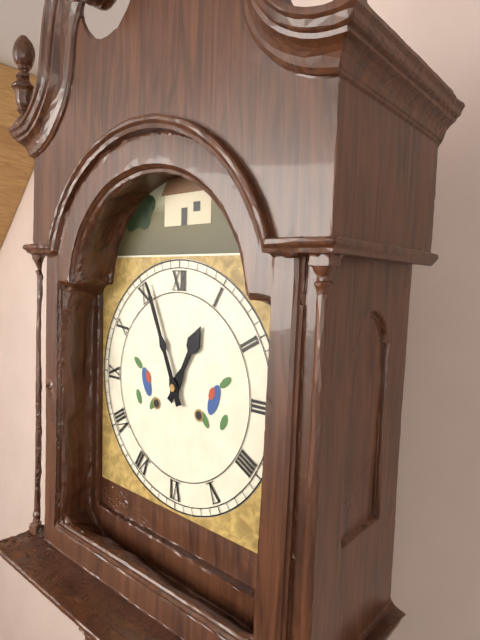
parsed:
12:56
